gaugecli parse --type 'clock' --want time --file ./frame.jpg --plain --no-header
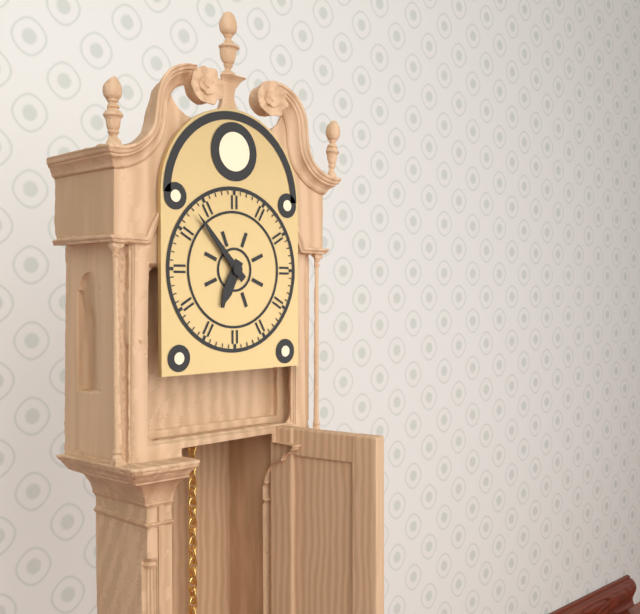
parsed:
6:53
